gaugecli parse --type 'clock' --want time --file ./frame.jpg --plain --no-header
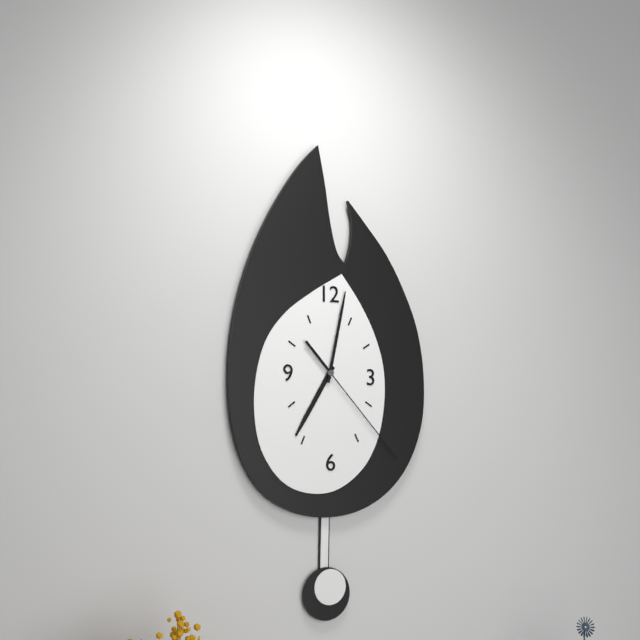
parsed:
7:02:23
